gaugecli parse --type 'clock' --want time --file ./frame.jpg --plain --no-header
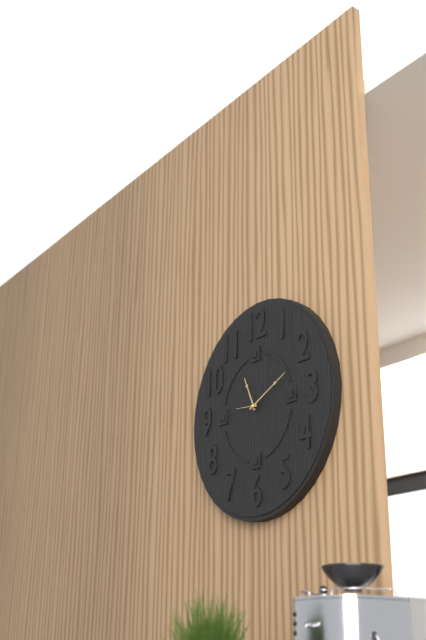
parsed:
11:11
